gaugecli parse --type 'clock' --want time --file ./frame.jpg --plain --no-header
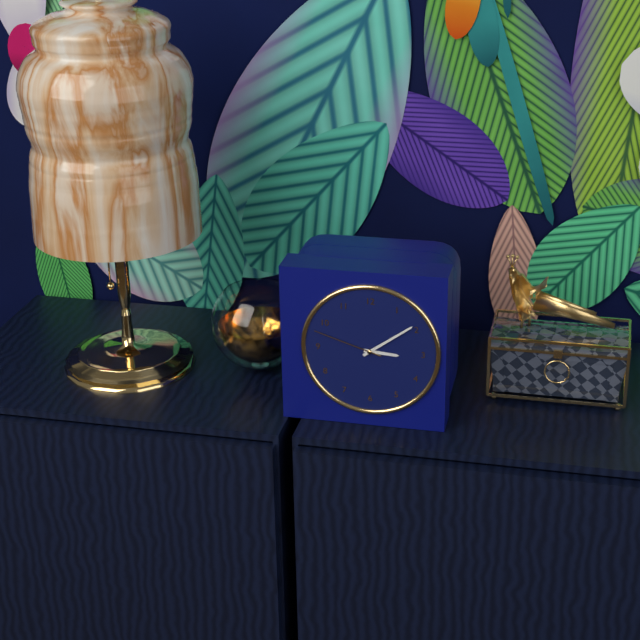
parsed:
3:09:48
